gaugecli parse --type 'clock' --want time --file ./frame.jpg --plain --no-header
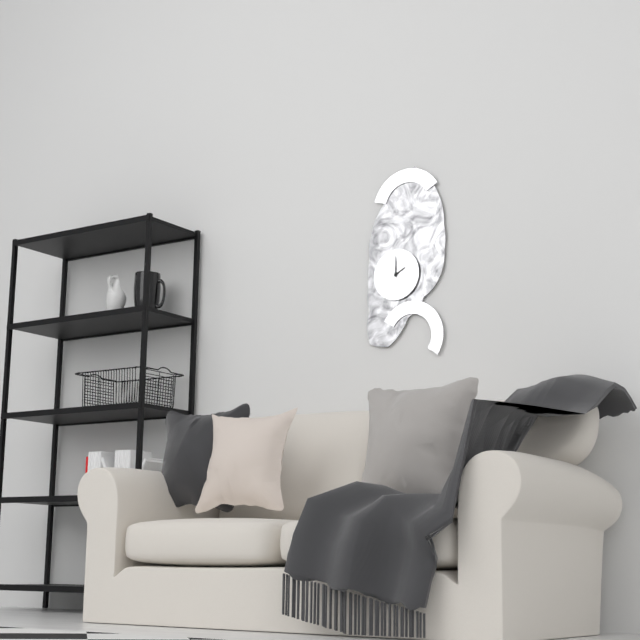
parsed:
2:00
